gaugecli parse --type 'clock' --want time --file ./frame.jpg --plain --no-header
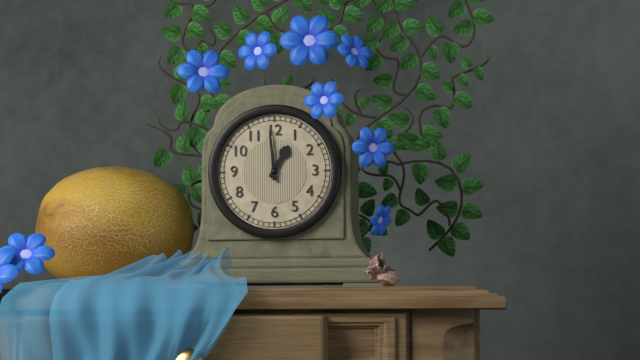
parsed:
12:59
